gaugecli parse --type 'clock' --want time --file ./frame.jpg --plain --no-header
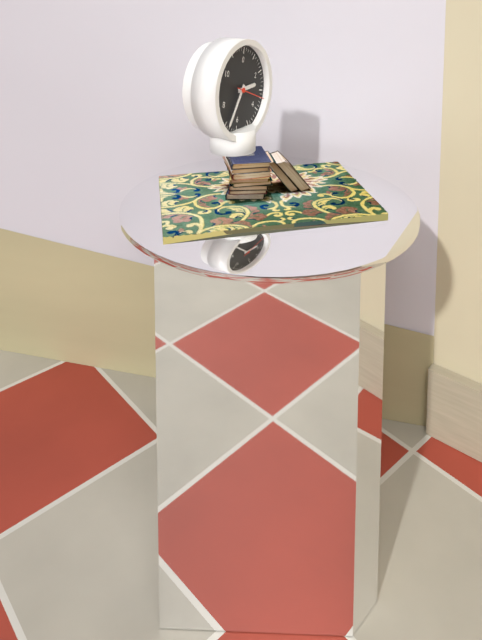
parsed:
2:34
